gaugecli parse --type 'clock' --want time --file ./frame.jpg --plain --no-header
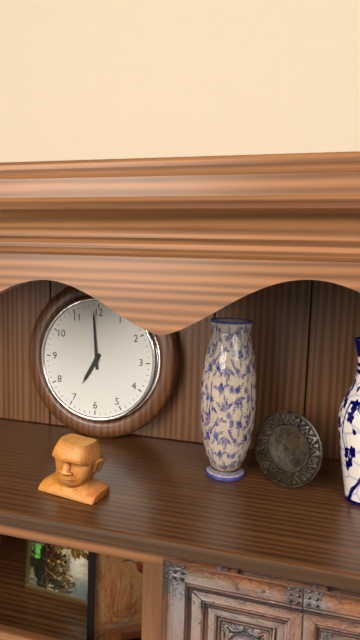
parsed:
6:59
